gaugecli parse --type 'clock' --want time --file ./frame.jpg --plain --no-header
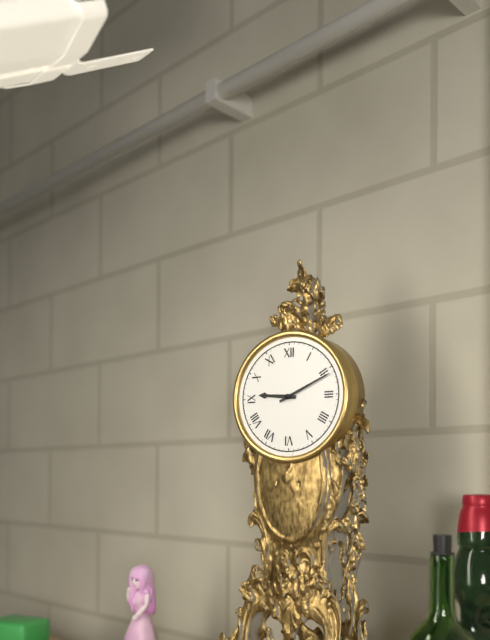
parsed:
9:11
